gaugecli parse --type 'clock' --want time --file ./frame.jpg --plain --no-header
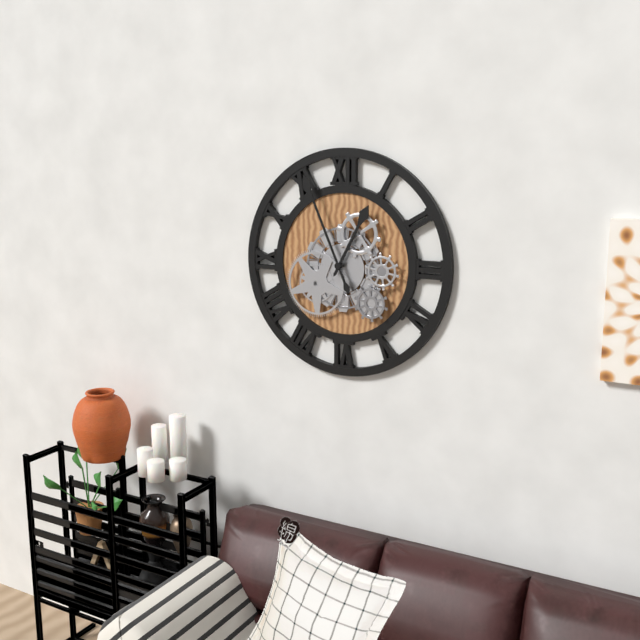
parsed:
12:56
